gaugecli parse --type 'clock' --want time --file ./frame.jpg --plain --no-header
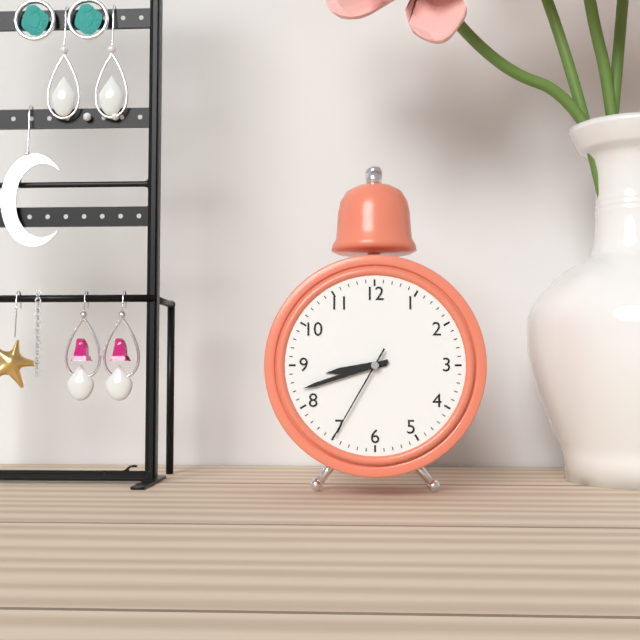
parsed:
8:42:35
